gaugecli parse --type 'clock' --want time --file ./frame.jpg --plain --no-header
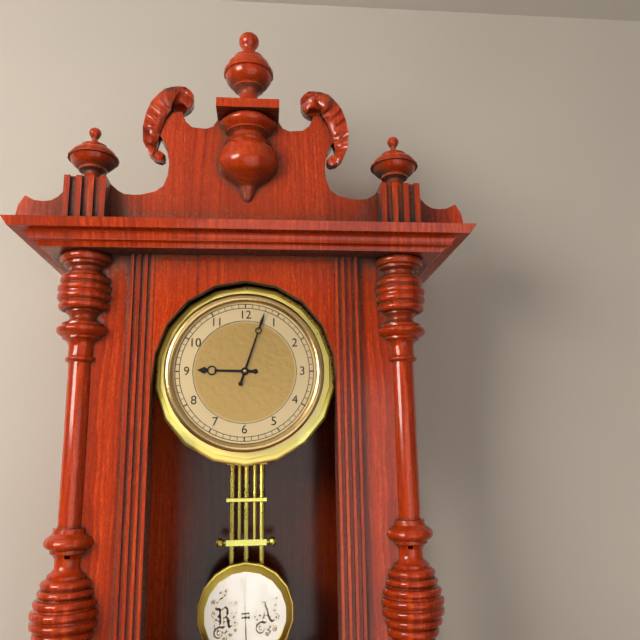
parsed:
9:03
